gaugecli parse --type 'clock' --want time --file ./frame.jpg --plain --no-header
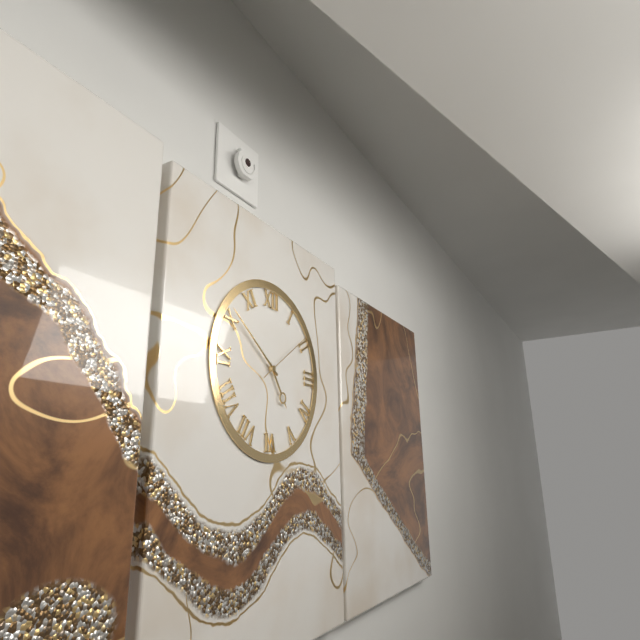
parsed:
4:51:09
